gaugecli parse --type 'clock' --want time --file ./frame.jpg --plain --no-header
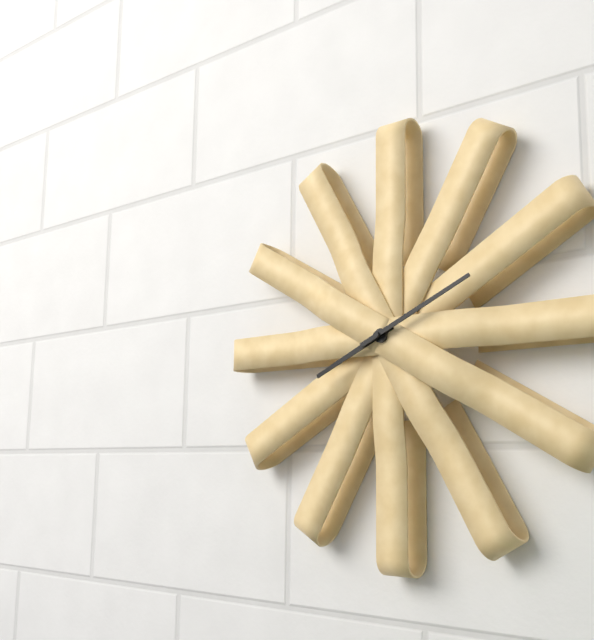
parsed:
8:11
